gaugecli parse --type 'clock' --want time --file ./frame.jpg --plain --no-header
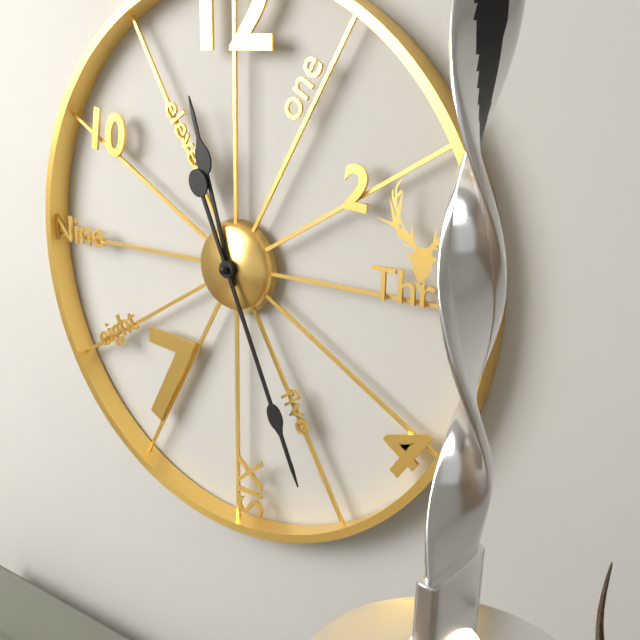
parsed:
11:26
